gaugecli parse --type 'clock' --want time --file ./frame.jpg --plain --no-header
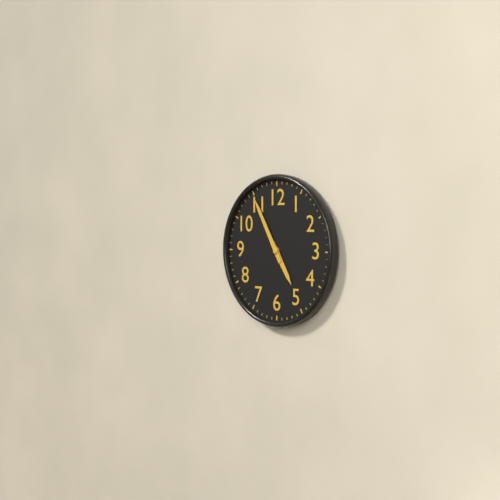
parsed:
4:55
